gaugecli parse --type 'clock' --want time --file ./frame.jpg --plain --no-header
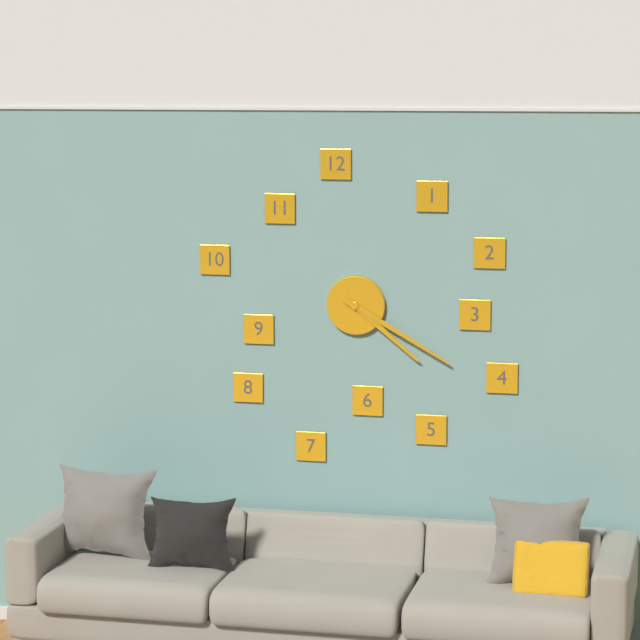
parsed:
4:20
